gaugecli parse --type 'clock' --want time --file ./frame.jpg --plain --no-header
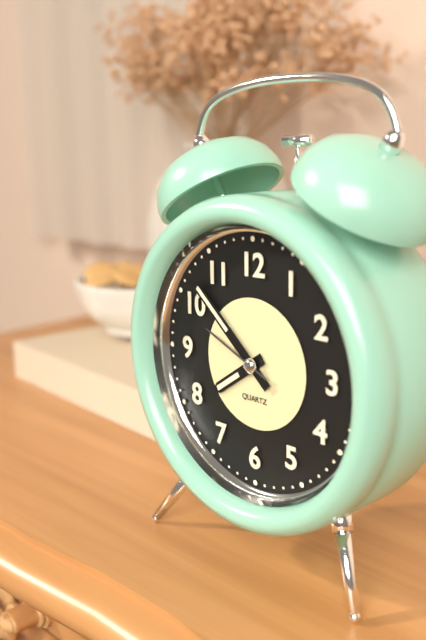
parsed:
7:52:49
